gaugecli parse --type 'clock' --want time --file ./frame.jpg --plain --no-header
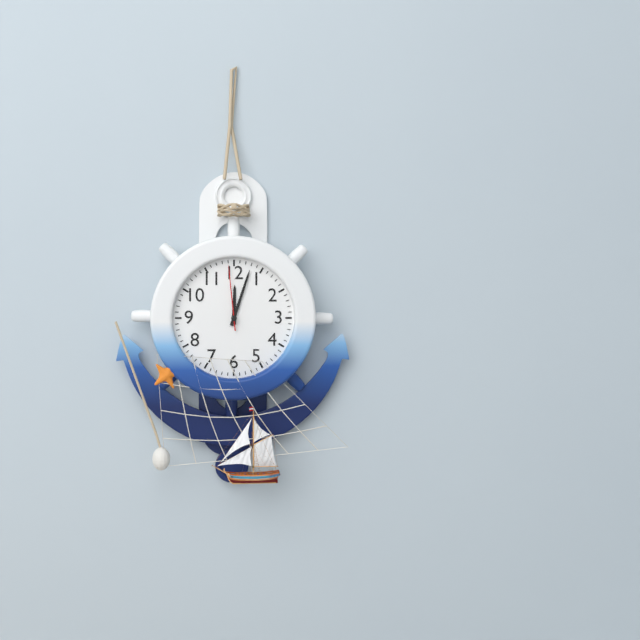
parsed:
12:03:59
